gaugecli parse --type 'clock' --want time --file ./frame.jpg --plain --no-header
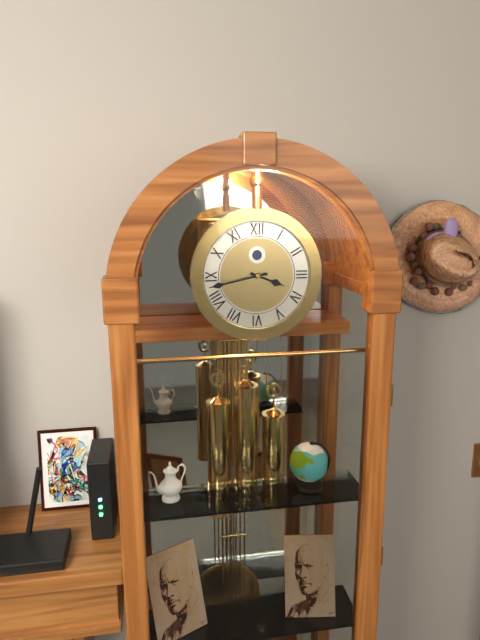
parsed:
3:43
